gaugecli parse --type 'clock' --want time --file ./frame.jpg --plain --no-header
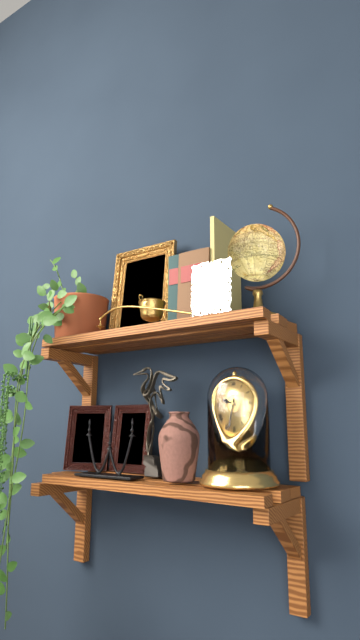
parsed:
9:33
